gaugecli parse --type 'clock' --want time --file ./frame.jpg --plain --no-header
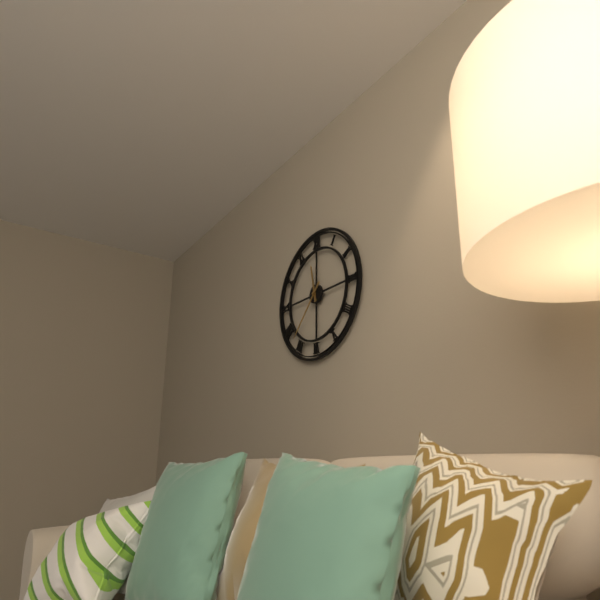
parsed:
11:37
